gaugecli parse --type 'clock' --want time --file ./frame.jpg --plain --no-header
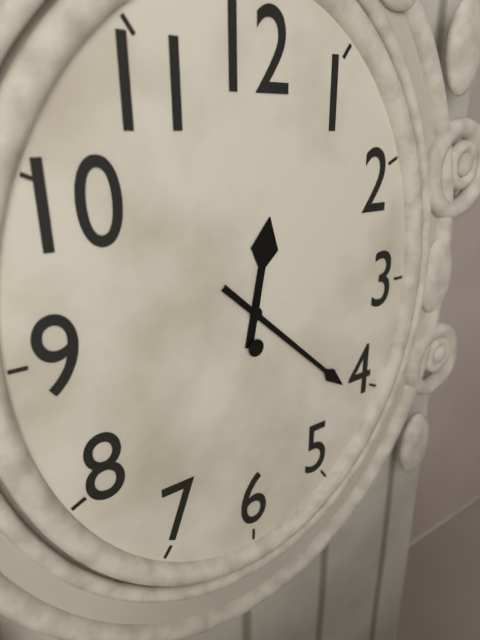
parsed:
12:22
